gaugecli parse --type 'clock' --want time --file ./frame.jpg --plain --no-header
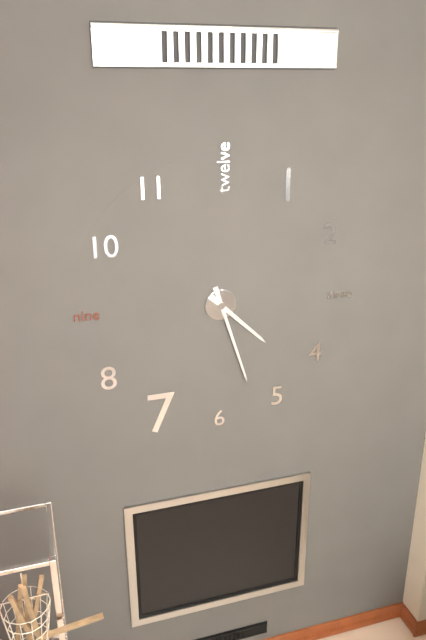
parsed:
4:27
